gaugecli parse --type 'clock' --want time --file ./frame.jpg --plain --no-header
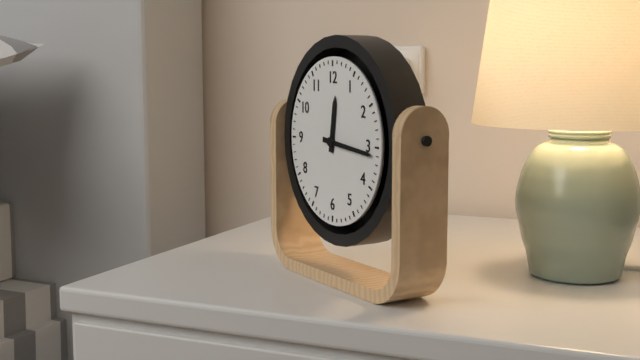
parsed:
12:16
